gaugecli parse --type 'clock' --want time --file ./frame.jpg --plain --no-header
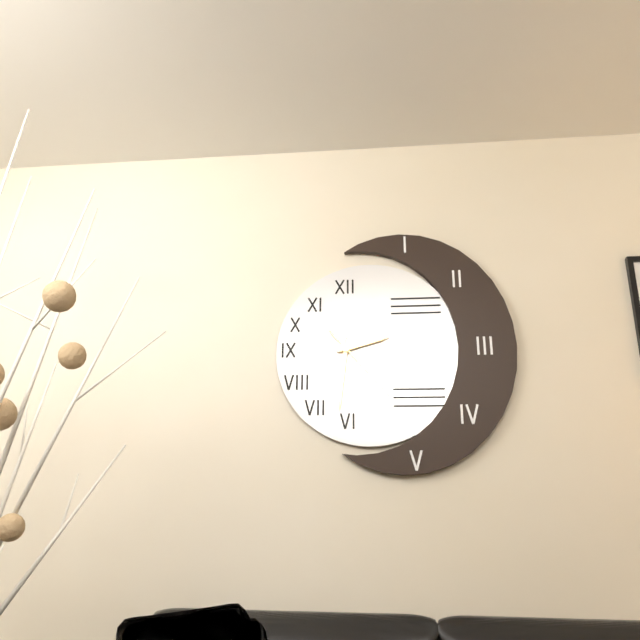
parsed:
2:31:23
